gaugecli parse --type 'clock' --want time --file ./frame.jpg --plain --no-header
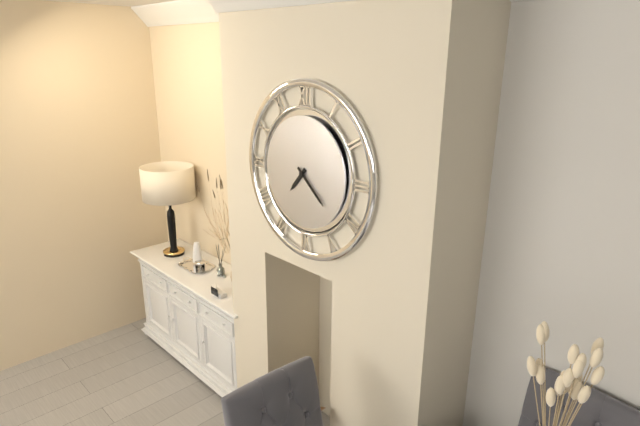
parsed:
7:22
